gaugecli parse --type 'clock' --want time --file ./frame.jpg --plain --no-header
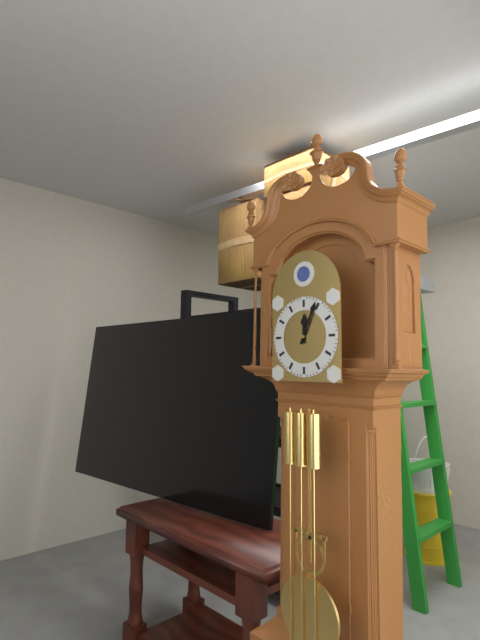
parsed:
12:04
